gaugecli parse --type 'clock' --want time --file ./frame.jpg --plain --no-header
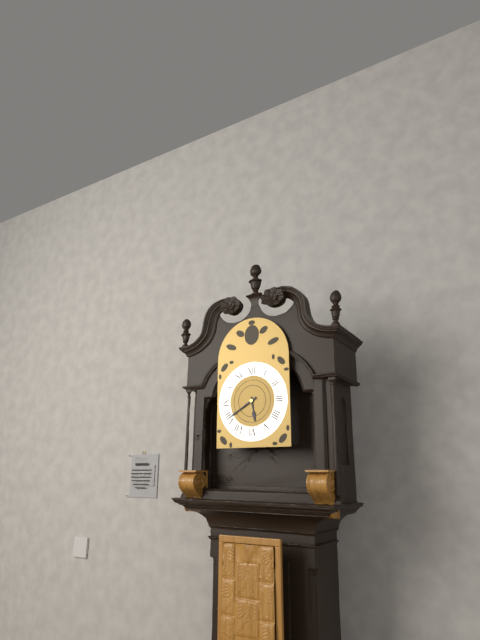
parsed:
5:40
